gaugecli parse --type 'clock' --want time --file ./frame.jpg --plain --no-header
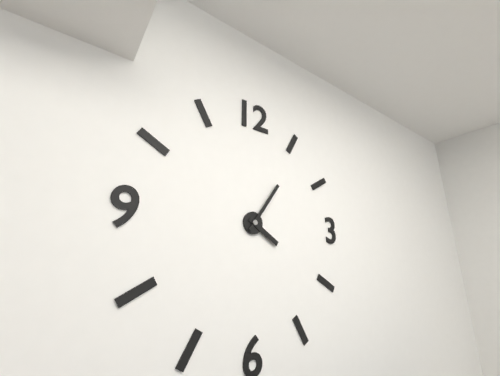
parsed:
4:06
